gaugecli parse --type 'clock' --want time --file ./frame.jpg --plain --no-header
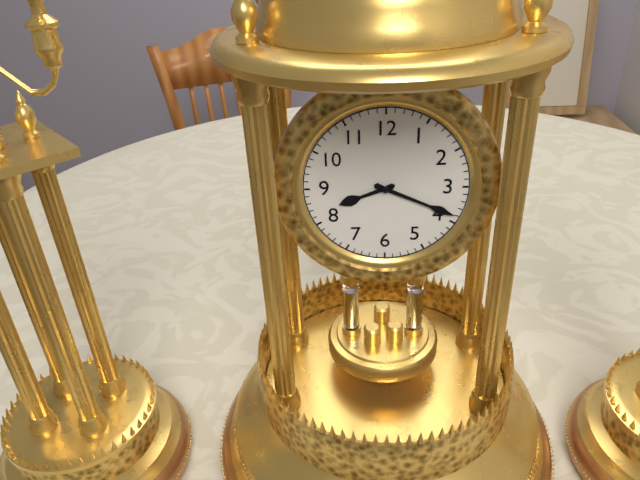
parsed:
8:19
